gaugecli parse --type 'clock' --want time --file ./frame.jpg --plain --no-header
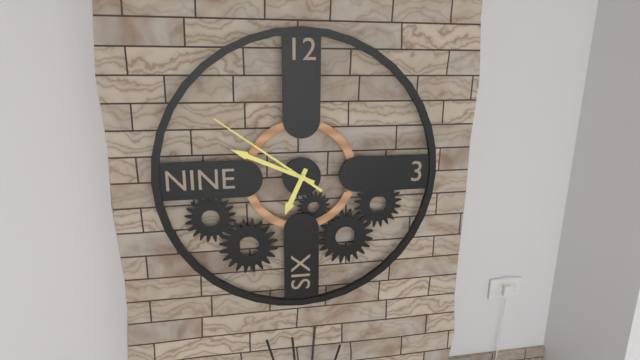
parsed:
6:49:51
